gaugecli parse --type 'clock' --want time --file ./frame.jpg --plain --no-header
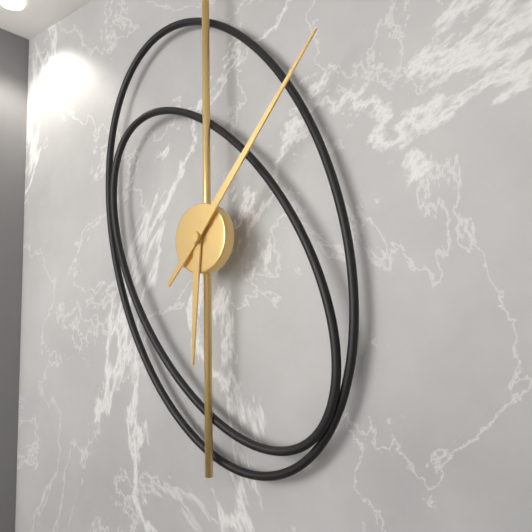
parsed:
6:07
